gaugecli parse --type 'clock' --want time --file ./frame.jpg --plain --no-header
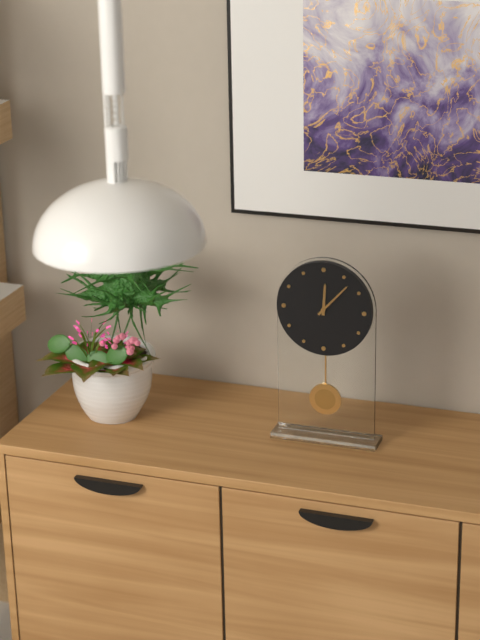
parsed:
12:07
